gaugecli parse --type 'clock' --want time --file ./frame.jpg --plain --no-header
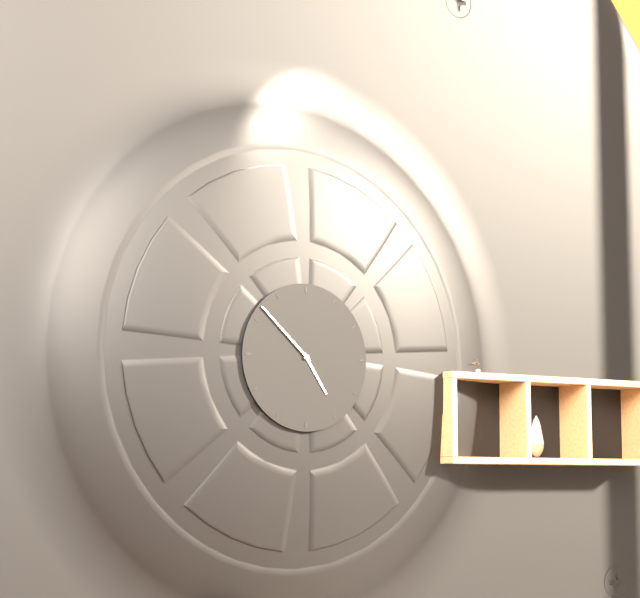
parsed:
4:52
